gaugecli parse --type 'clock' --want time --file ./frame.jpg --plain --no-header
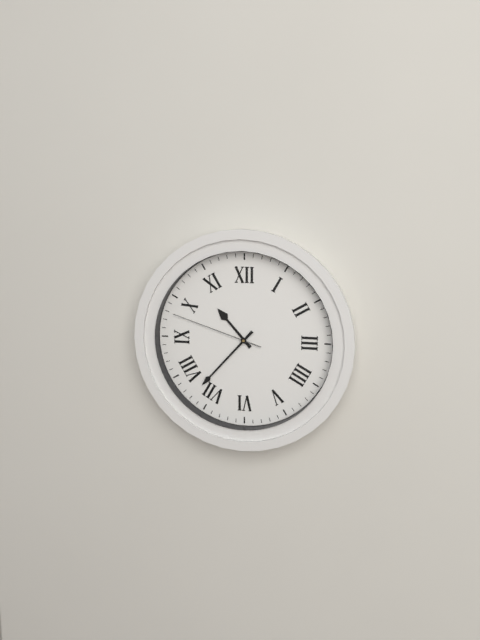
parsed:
10:37:48
